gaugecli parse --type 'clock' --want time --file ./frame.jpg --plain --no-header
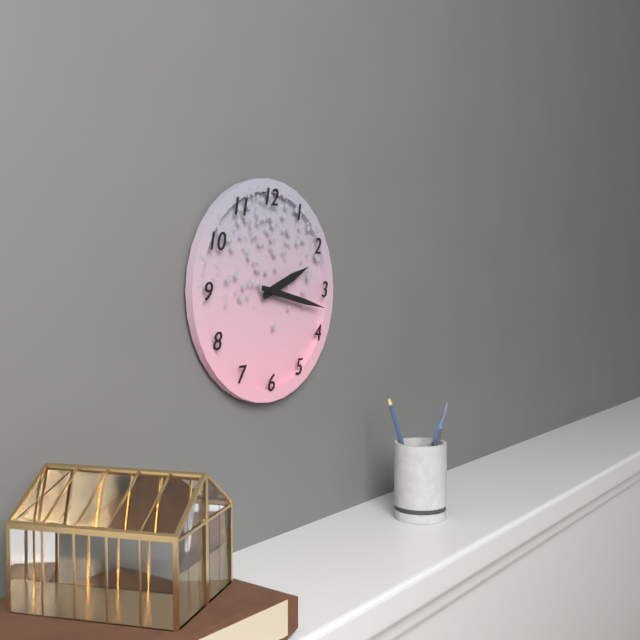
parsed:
2:17
